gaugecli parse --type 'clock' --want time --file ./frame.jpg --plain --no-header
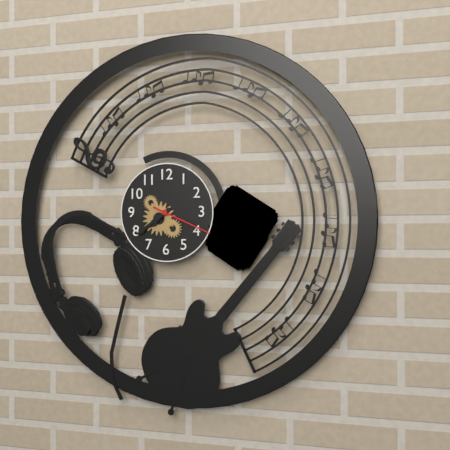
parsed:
7:39:19
